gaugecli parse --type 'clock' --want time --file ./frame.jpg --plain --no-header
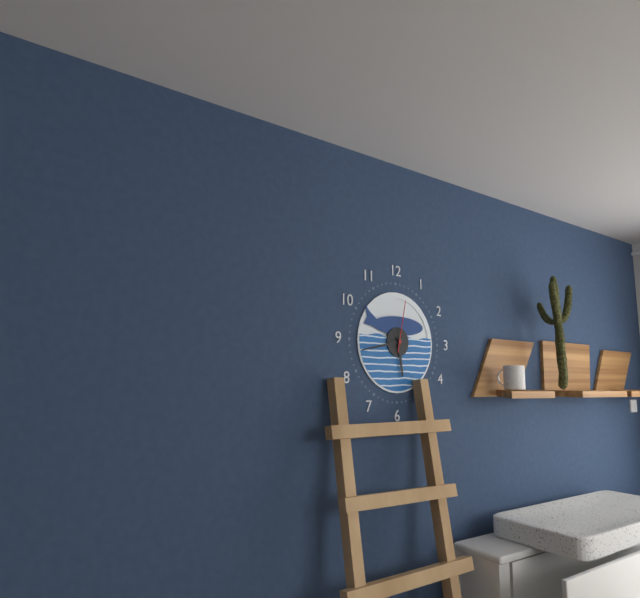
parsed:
5:43:02
